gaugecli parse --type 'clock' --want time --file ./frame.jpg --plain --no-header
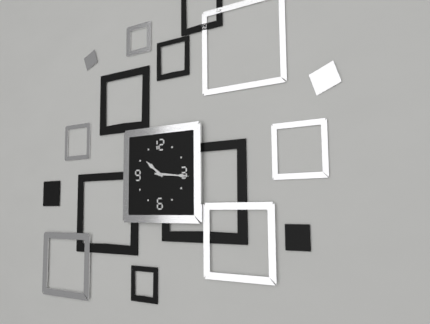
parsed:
10:16
